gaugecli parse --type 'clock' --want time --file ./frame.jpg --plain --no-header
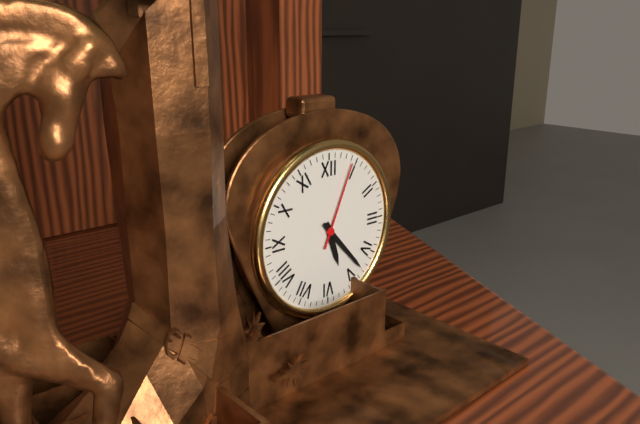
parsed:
5:23:04
